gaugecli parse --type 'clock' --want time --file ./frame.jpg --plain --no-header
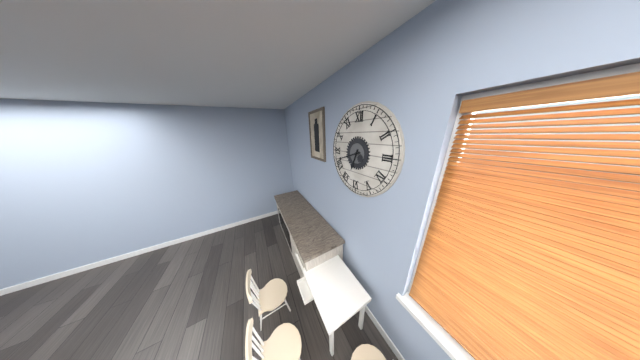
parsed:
6:42
